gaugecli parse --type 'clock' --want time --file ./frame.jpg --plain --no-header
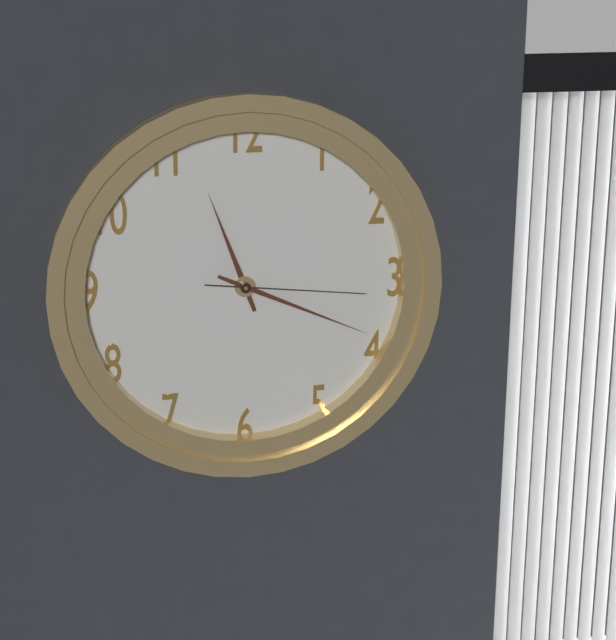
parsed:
11:19:16
